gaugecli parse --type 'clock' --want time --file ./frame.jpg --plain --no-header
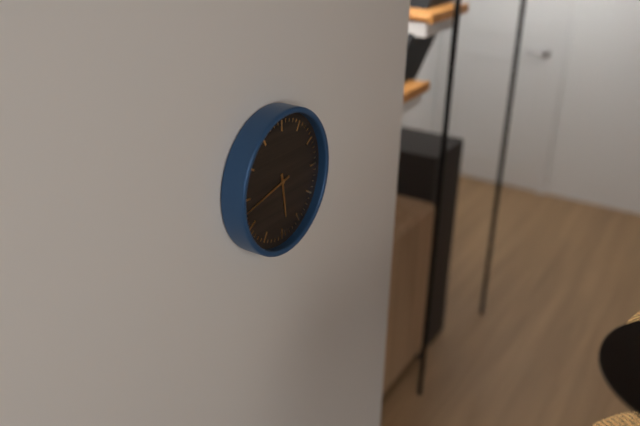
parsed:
5:43
